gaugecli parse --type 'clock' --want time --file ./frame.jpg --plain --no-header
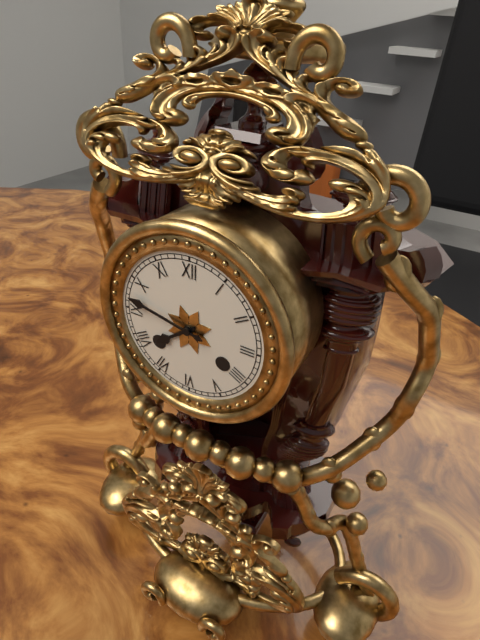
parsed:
7:47
